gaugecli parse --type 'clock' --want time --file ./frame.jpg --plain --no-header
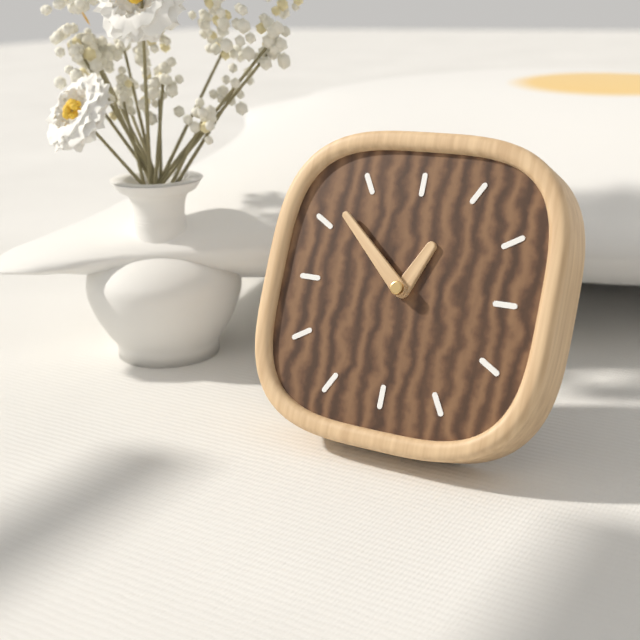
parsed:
12:52
